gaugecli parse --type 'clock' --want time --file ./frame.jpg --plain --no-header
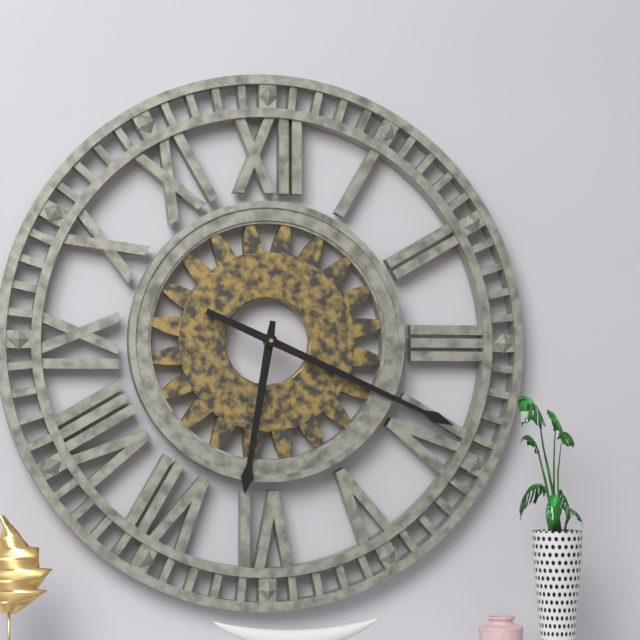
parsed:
6:19
